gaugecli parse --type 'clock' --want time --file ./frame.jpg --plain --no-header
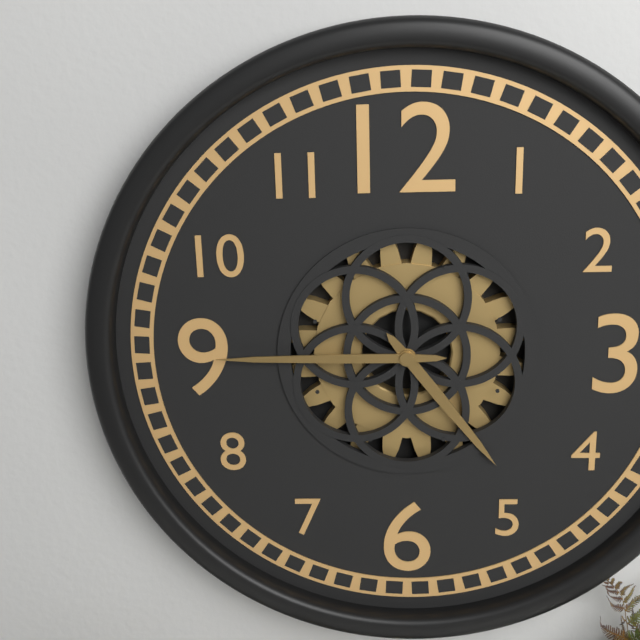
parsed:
4:45
